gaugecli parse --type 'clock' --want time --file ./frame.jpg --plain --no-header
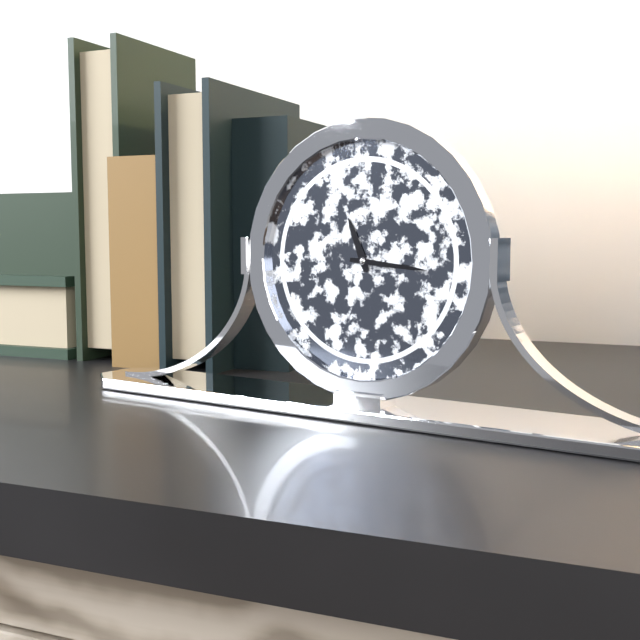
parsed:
11:16
